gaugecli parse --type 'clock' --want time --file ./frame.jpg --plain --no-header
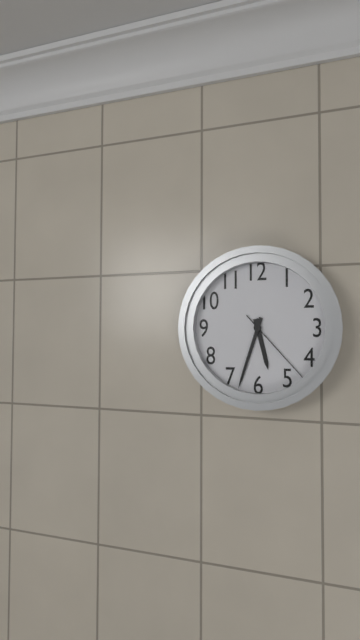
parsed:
5:33:23
